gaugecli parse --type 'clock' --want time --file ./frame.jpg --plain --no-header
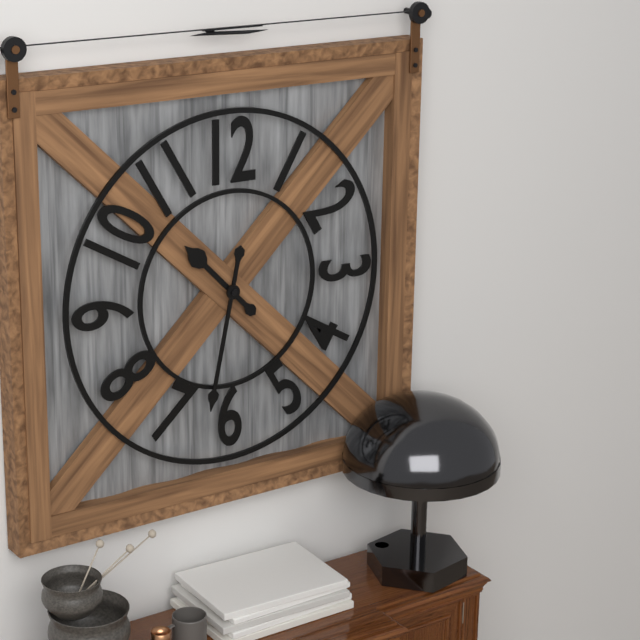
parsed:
10:32
